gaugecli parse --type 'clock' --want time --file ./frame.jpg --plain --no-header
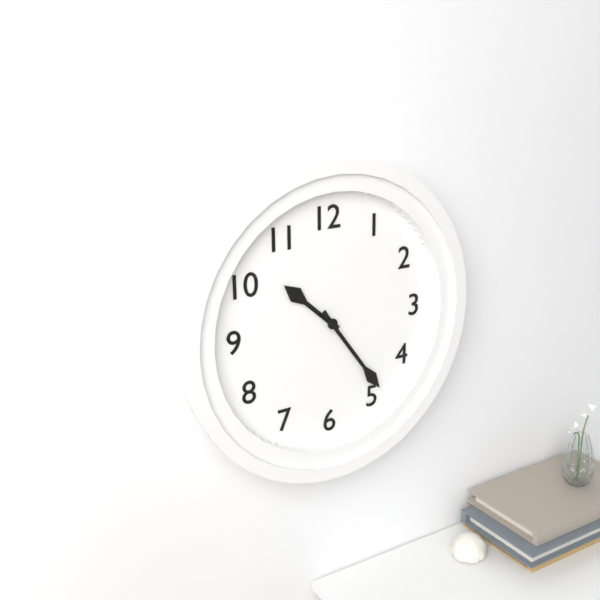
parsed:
10:24
